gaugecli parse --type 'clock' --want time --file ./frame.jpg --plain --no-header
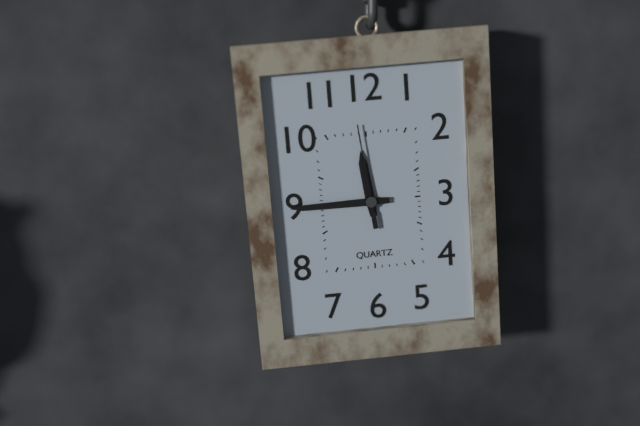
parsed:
11:45:59
